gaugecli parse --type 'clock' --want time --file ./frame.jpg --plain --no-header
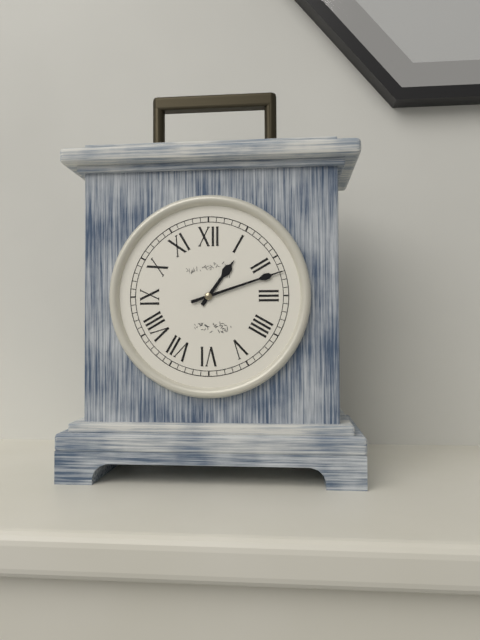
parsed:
1:12
